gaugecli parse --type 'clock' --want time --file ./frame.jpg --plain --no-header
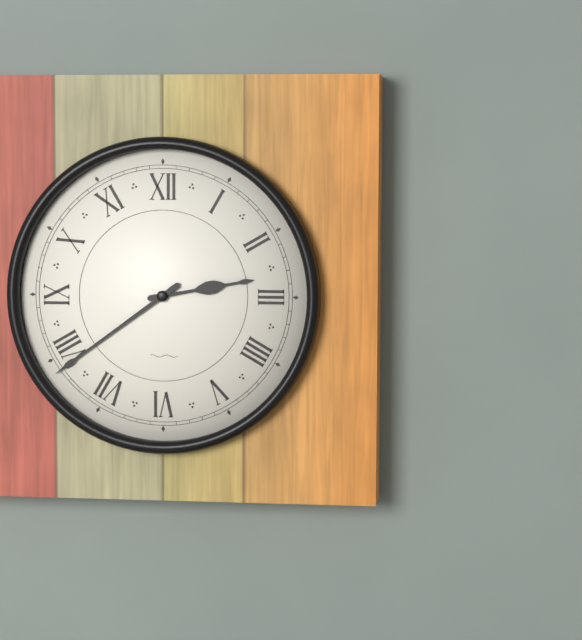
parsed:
2:39
